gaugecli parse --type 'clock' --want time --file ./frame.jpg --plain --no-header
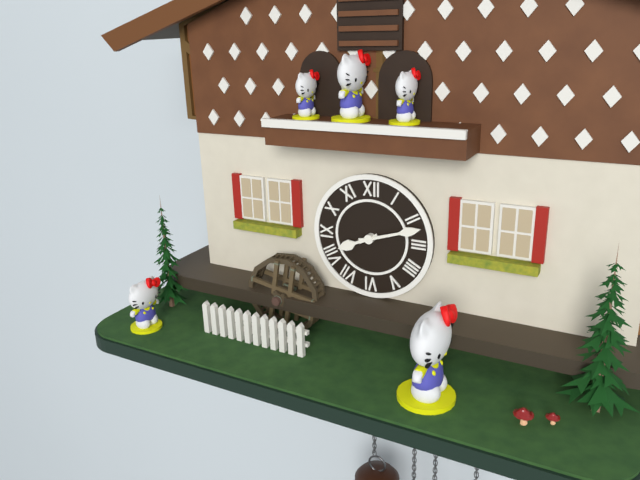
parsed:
8:12
